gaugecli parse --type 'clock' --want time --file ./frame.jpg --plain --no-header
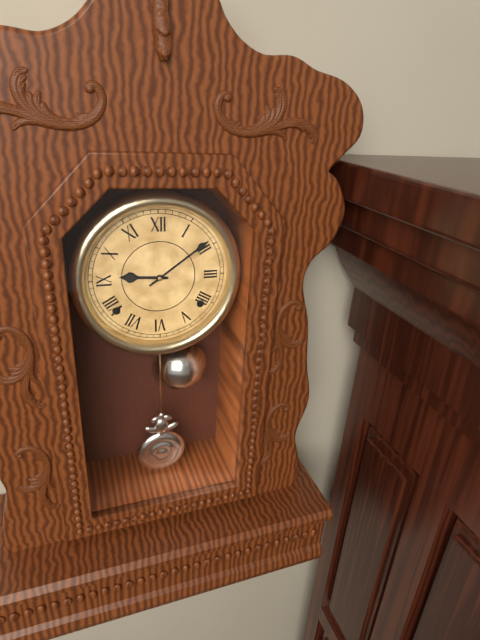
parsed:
9:09
